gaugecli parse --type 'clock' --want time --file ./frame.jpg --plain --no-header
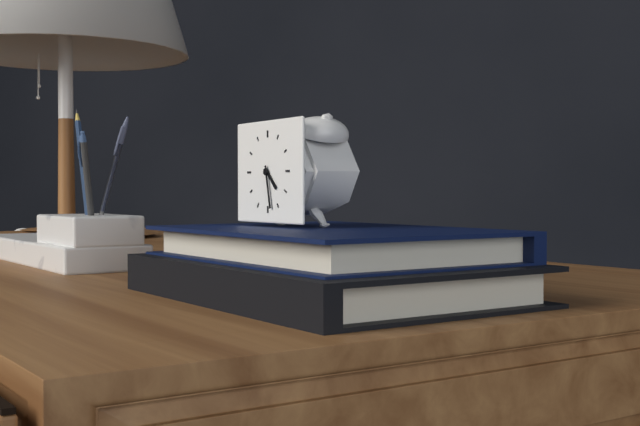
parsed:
4:28
